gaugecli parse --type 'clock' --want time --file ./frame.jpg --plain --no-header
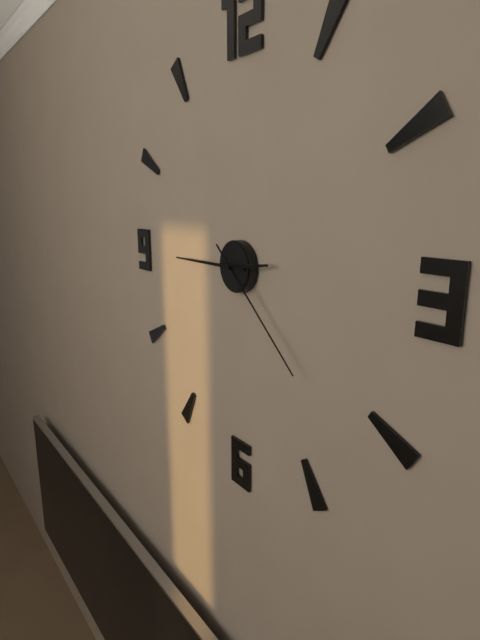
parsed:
2:45:22
